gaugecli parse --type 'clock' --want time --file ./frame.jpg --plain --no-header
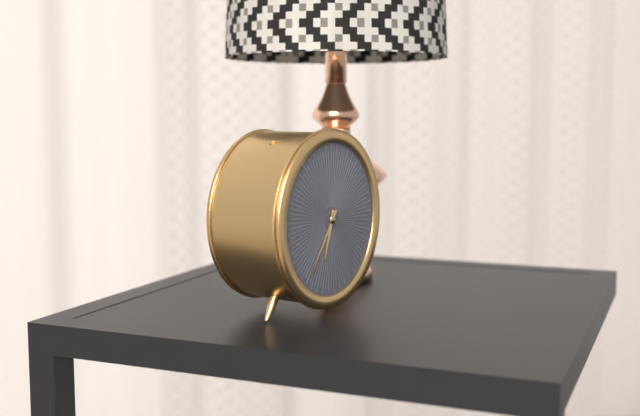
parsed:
6:36
